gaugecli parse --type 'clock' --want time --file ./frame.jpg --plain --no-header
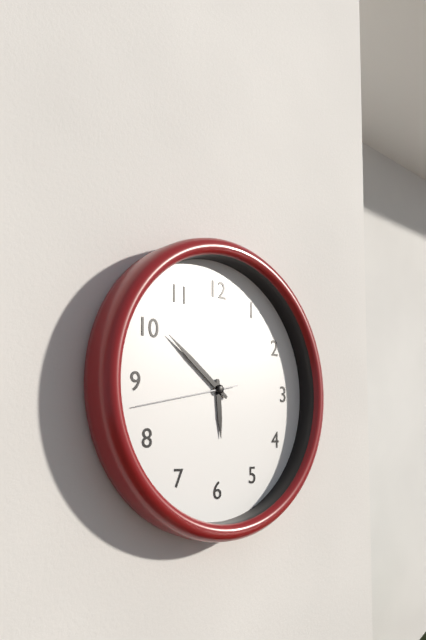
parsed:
5:51:43
